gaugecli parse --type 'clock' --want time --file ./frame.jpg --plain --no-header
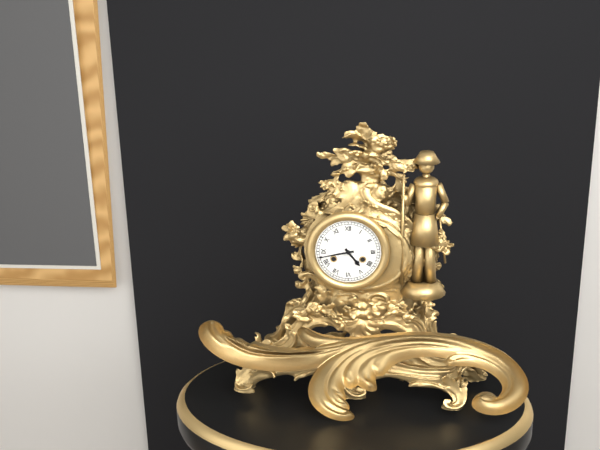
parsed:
4:43
